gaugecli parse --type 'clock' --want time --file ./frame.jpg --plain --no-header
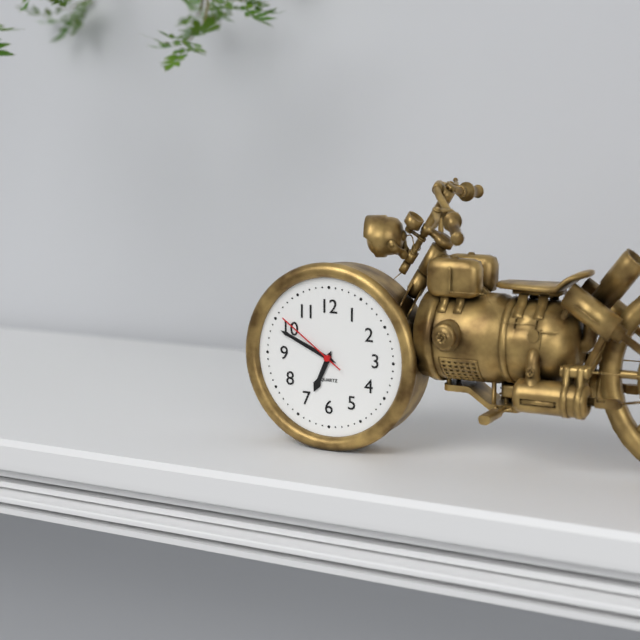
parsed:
6:49:51
